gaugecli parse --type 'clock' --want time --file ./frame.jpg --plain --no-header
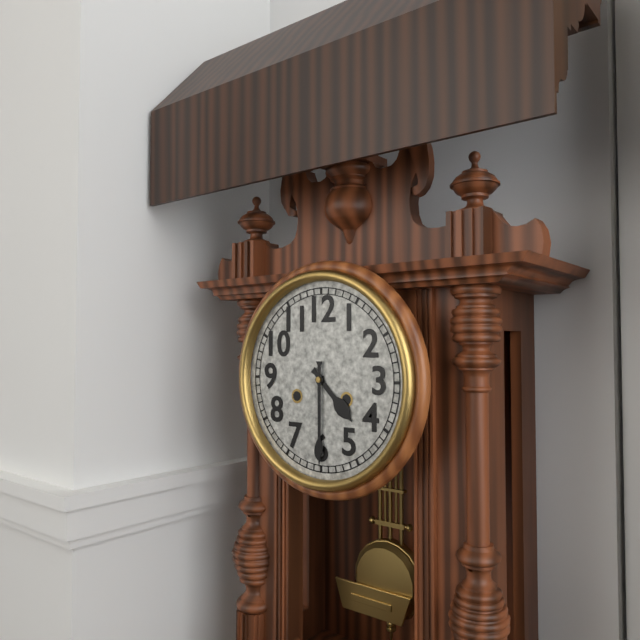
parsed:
4:30
